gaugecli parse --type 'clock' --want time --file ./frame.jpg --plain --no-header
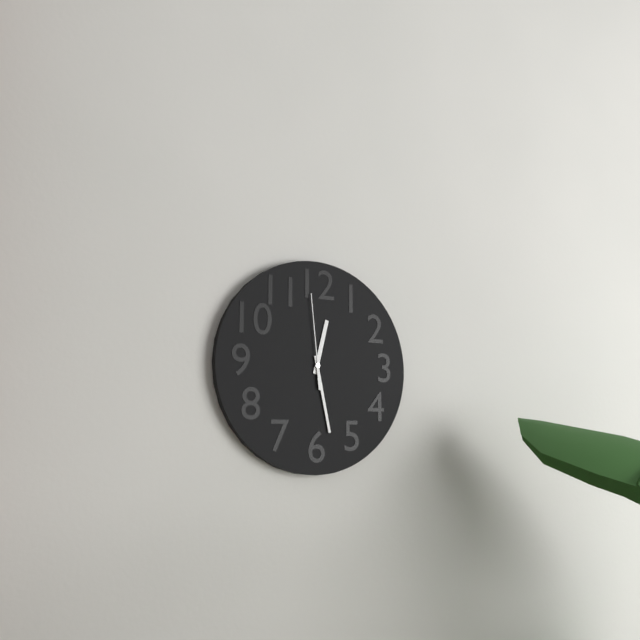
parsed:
12:28:59
